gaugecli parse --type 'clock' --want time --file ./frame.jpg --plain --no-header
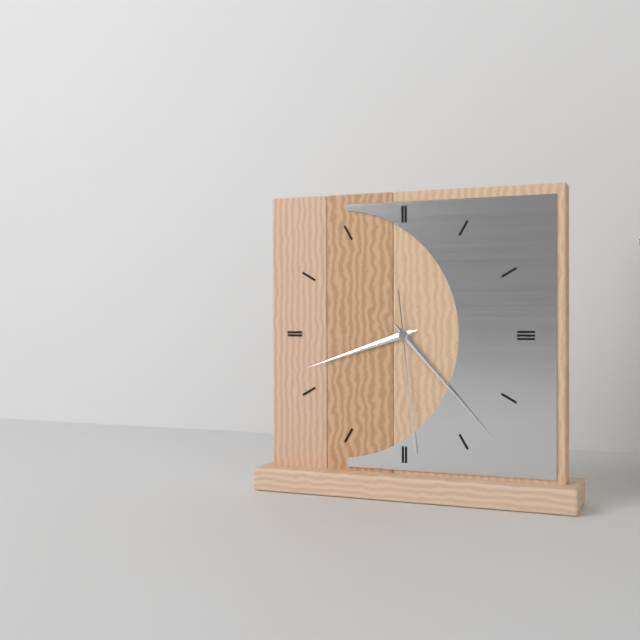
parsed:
8:23:29
